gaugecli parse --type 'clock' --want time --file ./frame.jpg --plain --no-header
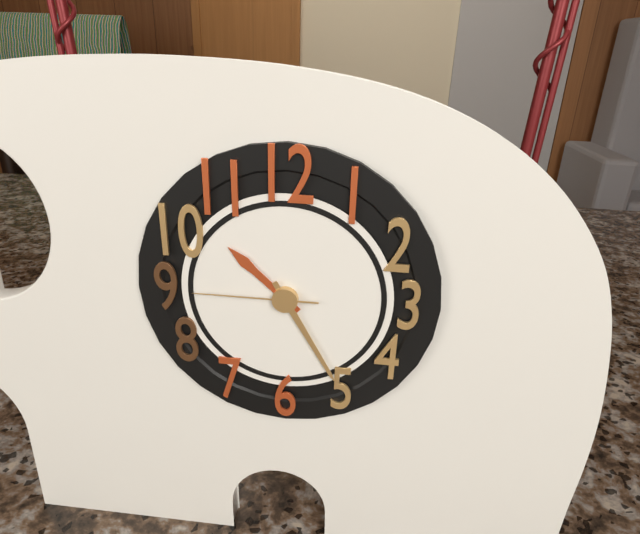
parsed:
10:25:45
